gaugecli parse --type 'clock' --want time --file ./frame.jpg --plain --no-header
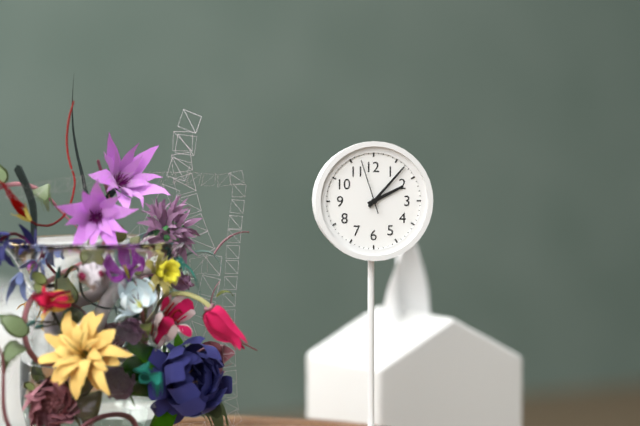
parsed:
2:07:57
